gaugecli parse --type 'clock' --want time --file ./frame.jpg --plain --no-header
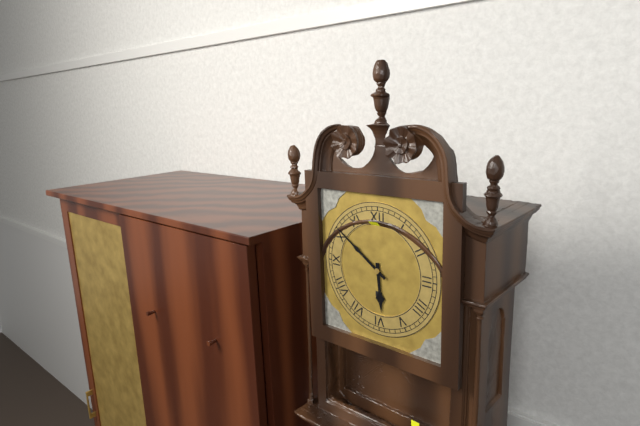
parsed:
5:51
